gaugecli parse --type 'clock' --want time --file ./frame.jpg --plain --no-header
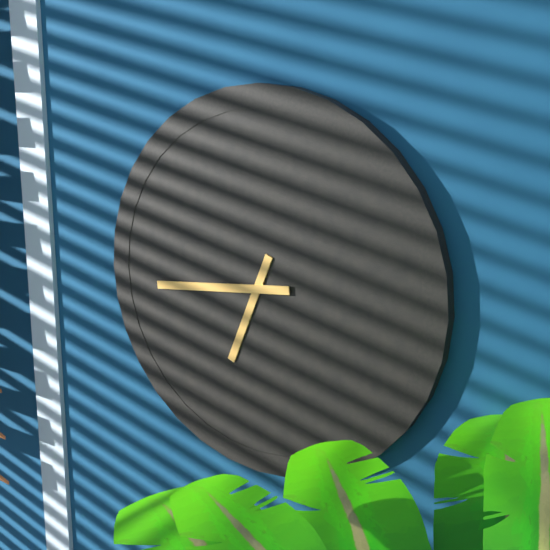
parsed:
6:44
